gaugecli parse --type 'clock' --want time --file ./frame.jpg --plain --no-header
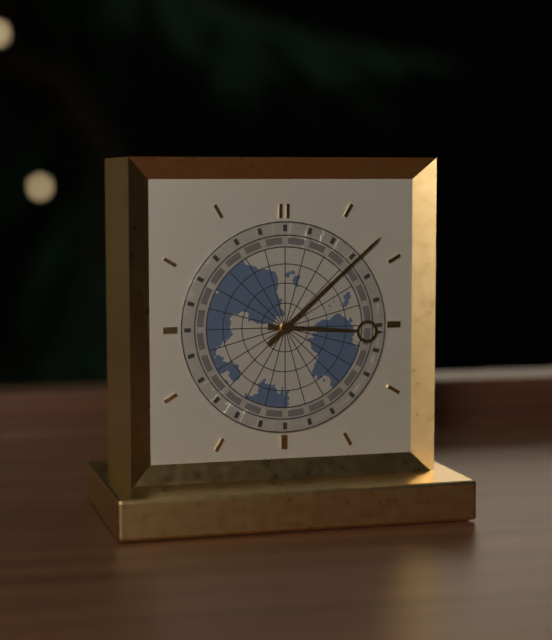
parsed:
3:08
